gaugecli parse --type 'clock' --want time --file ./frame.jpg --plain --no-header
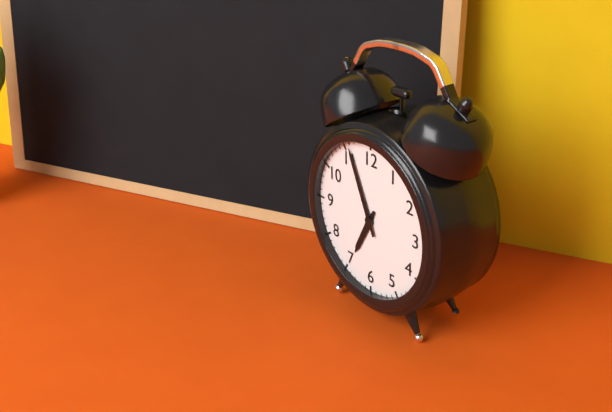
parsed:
6:56
